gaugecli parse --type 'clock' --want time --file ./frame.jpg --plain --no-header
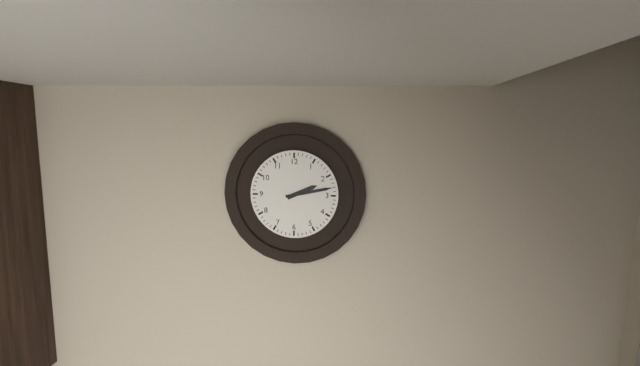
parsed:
2:13
